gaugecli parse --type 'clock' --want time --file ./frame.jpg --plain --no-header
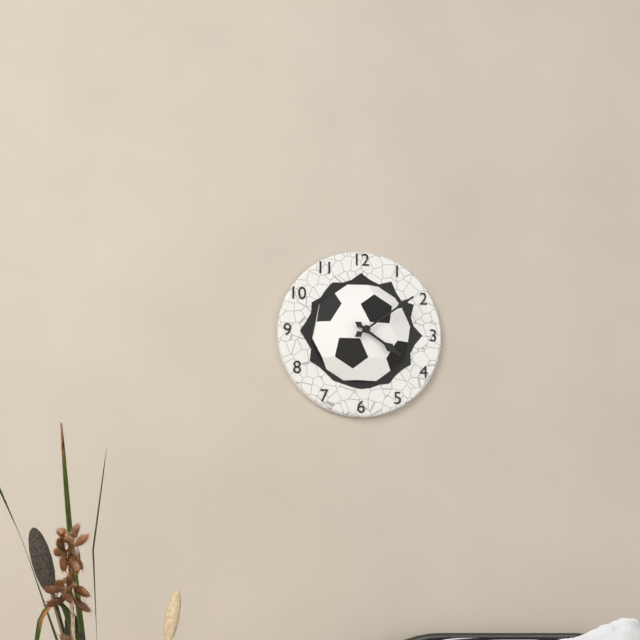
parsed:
4:09
